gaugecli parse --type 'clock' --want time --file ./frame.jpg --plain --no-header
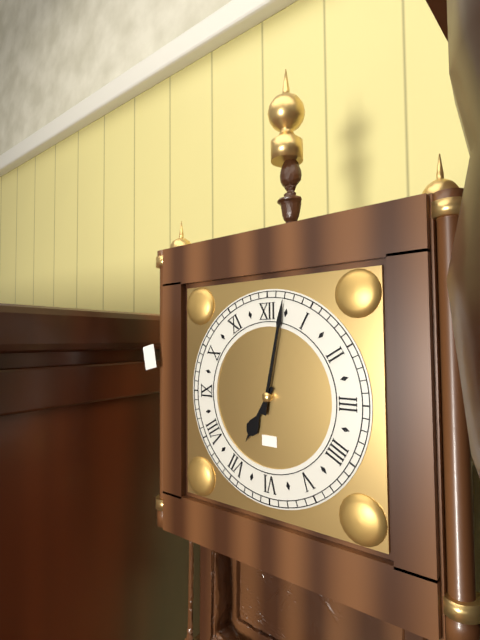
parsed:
7:02
